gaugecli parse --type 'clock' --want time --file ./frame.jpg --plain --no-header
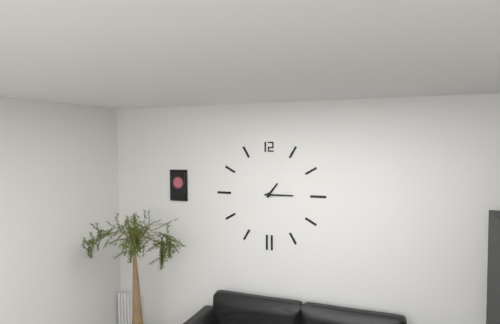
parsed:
1:15
